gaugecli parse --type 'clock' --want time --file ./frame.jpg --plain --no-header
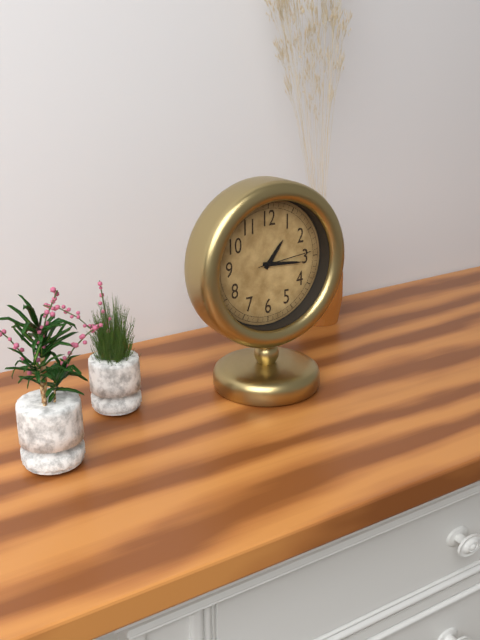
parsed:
1:16:14
